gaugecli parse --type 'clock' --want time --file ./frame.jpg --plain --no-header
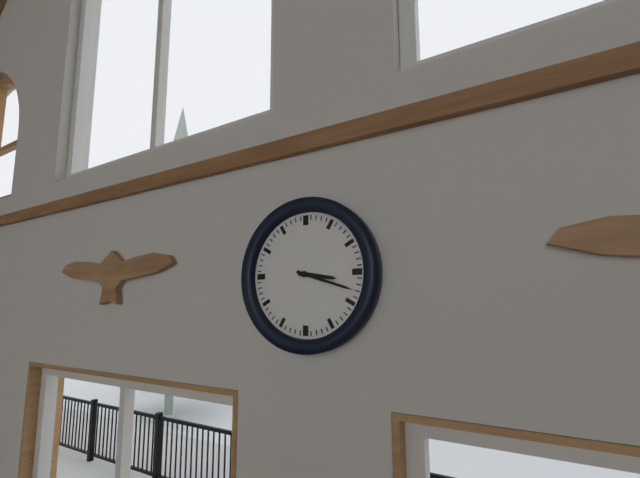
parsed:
3:18
